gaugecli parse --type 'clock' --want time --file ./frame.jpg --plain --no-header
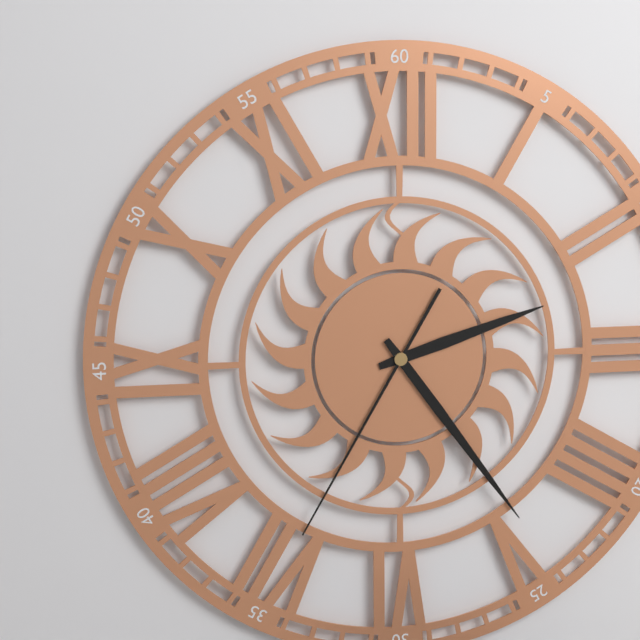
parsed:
2:24:35
